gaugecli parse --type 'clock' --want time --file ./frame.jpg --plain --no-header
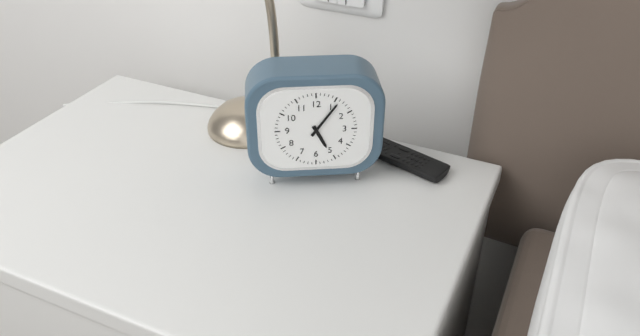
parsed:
5:06
